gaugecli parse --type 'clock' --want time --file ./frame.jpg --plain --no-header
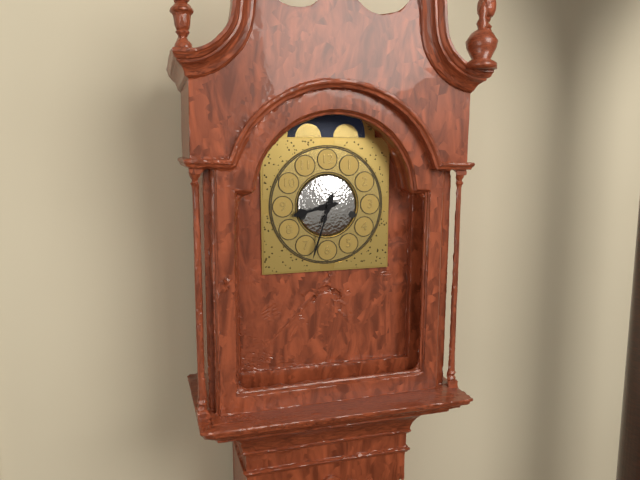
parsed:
8:33
